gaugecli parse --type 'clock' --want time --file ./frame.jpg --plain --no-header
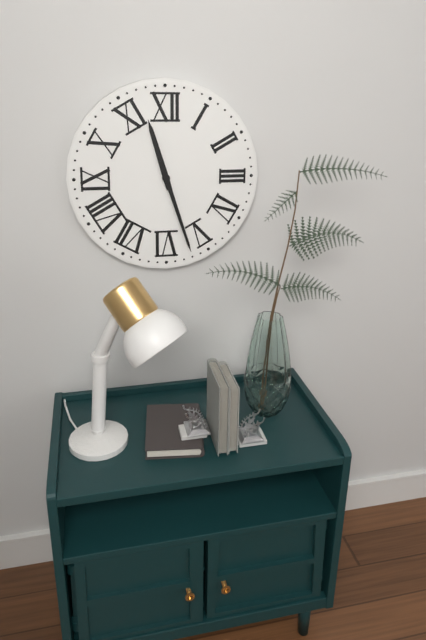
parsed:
11:27
